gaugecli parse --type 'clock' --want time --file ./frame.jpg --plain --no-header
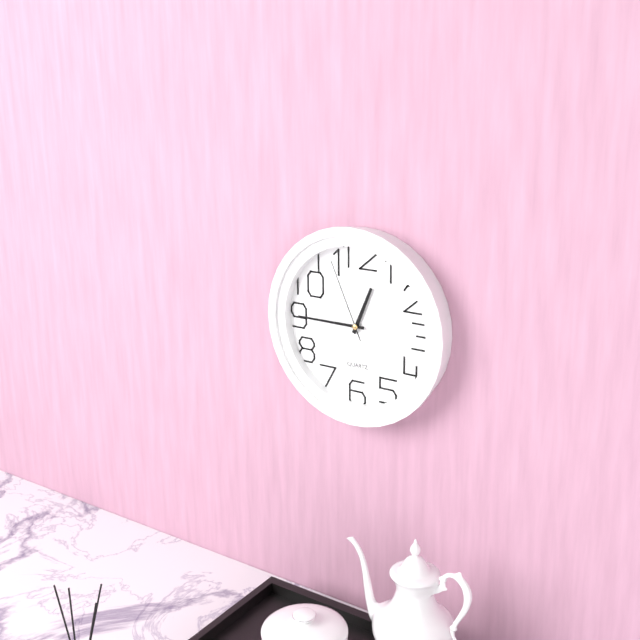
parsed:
12:45:56
